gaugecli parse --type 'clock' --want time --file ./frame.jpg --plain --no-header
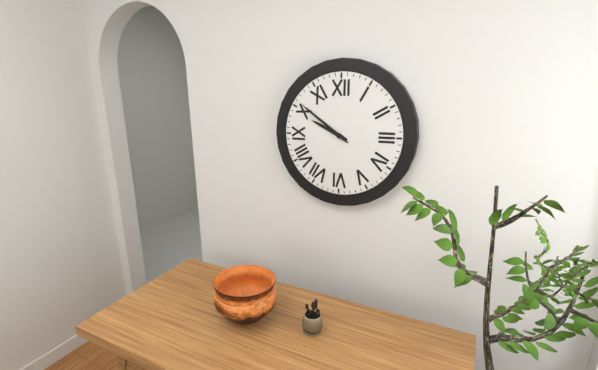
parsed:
9:51
